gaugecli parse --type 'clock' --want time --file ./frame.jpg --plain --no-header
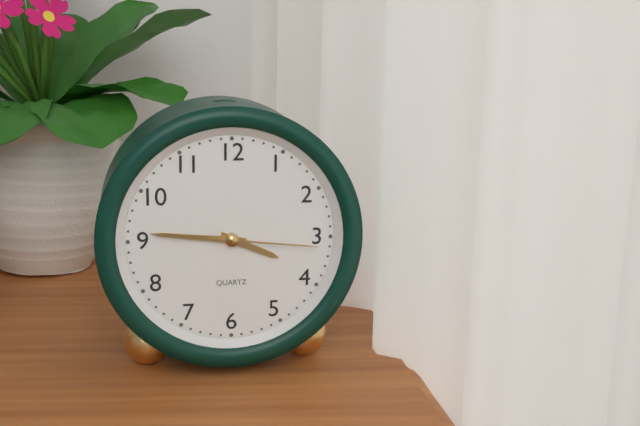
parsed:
3:46:16
